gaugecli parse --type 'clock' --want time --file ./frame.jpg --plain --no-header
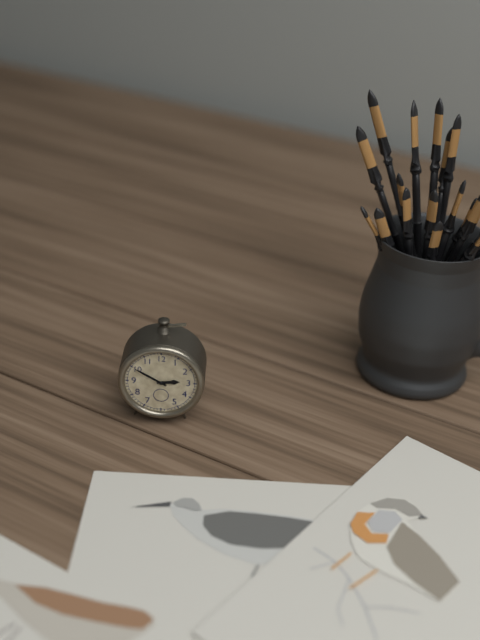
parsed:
2:50
